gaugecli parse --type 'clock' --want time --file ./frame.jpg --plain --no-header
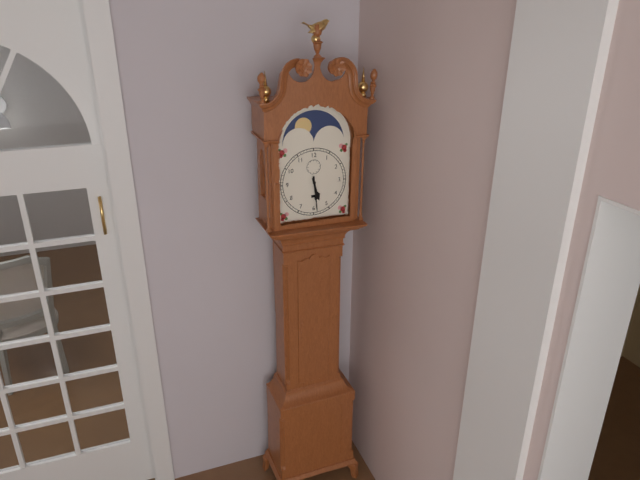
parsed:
5:29
